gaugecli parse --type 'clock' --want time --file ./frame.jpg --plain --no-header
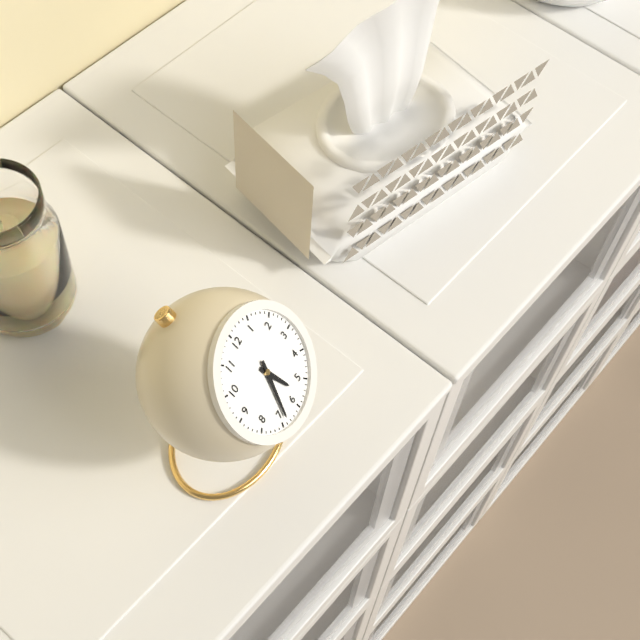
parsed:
5:34
